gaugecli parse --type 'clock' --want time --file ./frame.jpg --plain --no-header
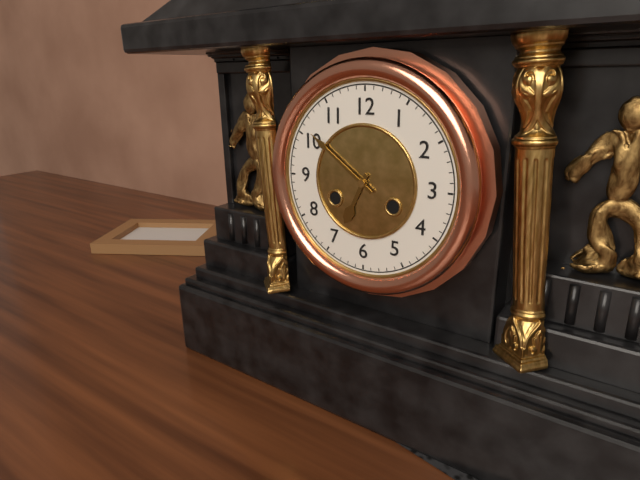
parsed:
6:51
